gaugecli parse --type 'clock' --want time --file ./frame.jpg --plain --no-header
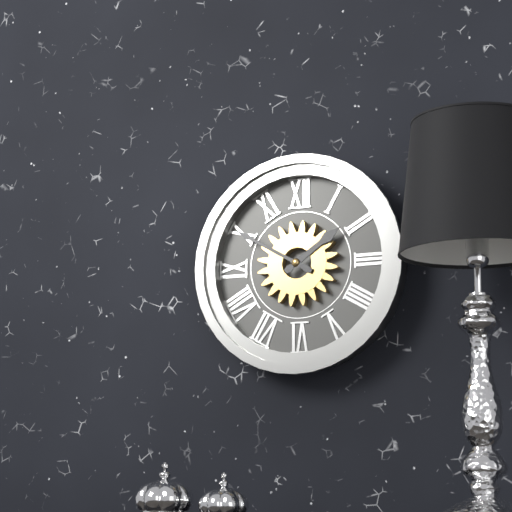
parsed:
1:50
